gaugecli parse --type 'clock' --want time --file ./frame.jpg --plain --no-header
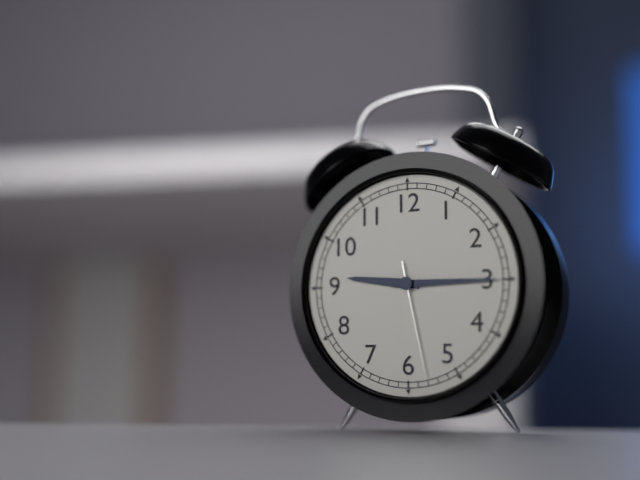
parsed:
9:15:28
